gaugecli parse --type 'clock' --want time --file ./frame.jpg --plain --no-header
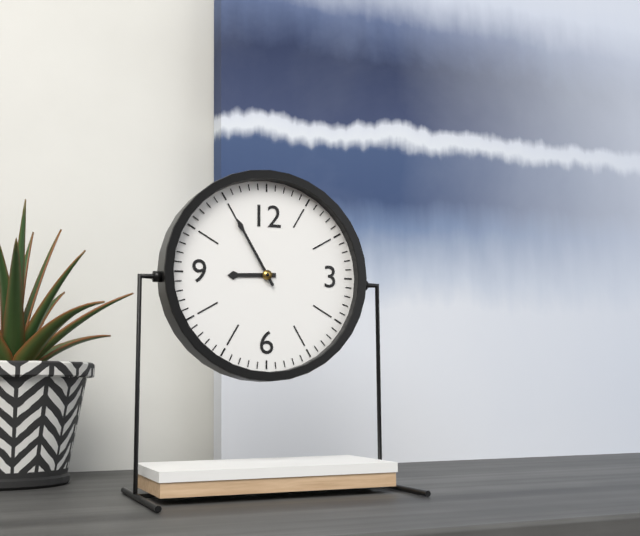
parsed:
8:55
